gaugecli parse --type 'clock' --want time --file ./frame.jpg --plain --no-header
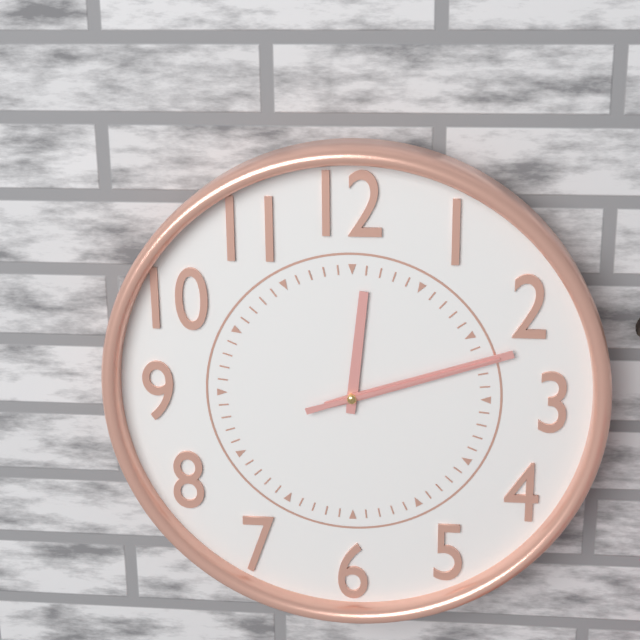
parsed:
12:12:12
